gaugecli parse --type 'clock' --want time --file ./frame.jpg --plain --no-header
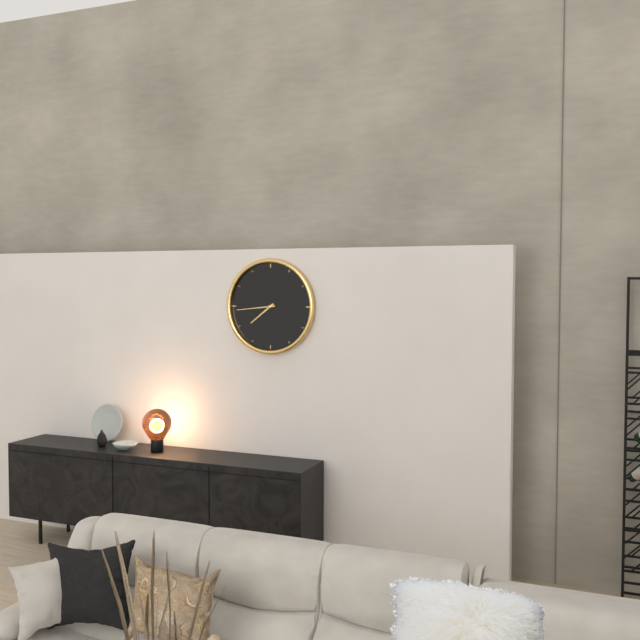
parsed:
7:44
